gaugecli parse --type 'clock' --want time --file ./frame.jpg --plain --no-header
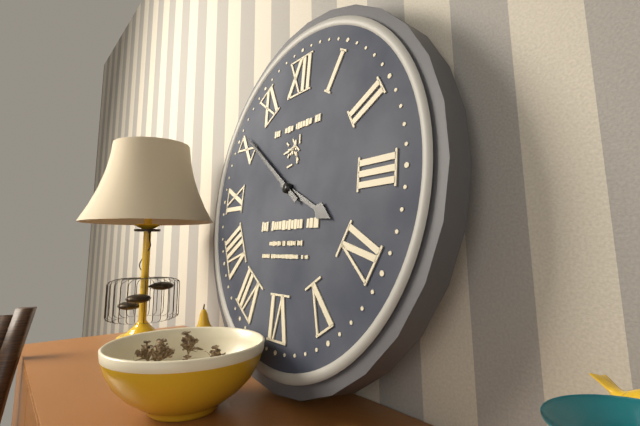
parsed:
3:51
